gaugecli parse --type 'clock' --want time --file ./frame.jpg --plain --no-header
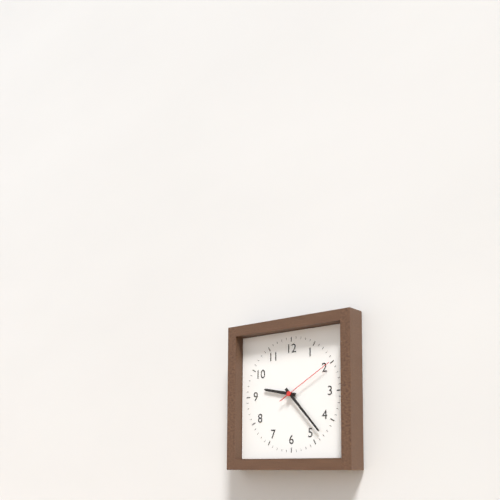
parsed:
9:23:10
